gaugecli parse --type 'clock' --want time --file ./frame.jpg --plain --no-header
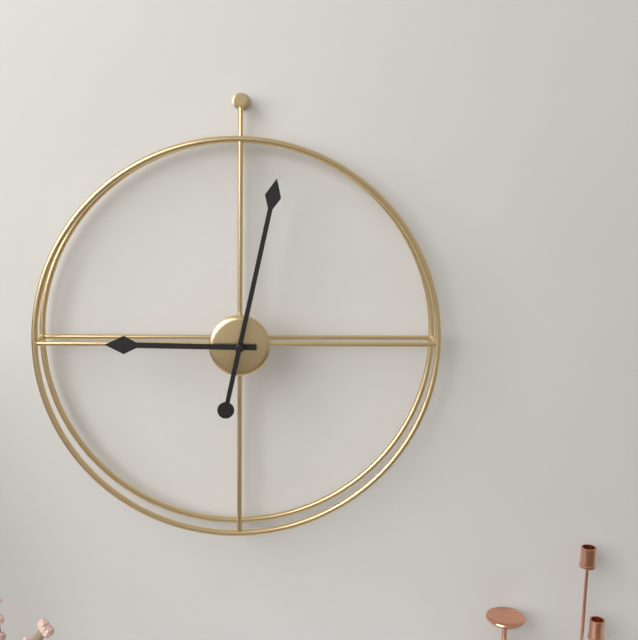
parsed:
9:02
